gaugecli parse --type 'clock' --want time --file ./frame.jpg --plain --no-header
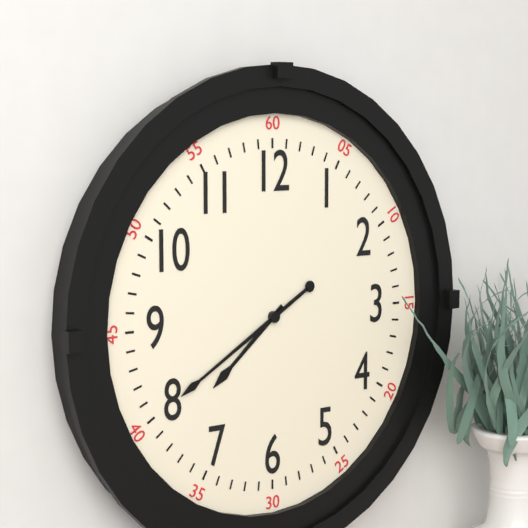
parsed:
7:40
